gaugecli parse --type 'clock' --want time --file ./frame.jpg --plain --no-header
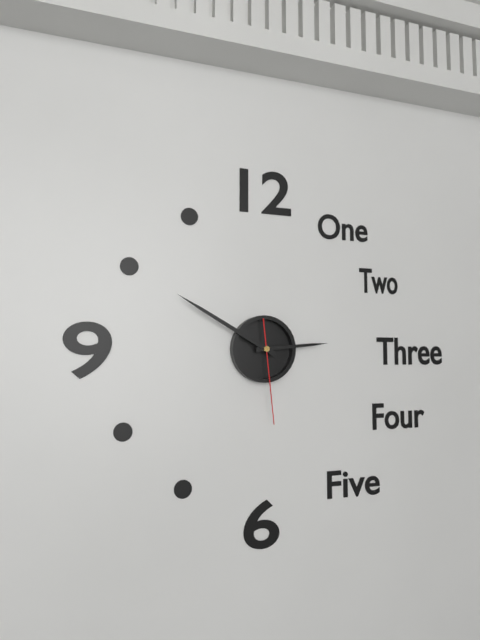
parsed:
2:50:29
